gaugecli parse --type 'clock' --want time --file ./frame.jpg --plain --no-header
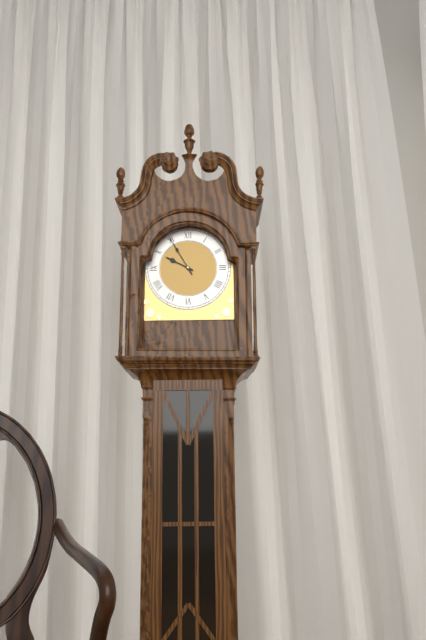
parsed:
9:55
